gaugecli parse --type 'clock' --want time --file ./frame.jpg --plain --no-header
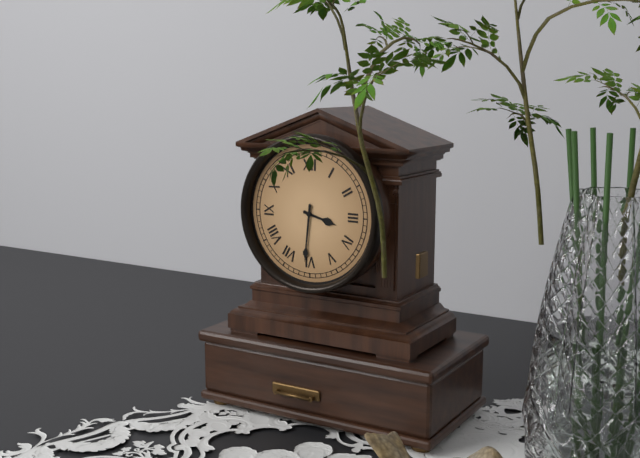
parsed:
3:31
